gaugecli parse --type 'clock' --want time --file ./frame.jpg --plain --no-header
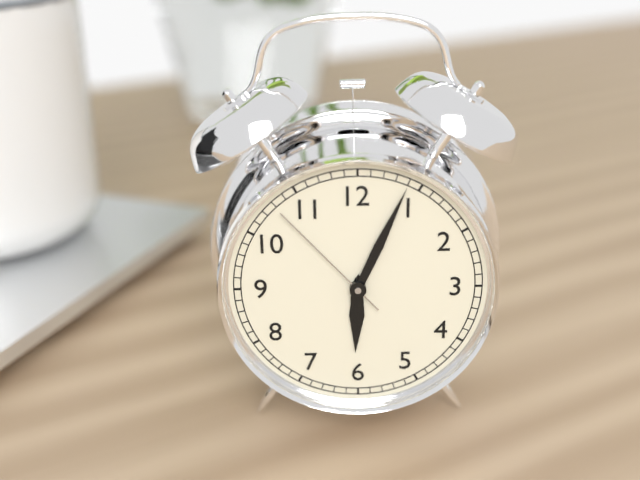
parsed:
6:04:53
